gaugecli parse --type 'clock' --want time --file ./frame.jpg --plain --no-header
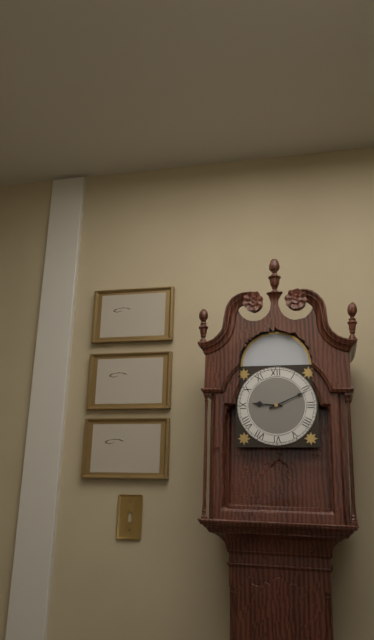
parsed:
9:11
